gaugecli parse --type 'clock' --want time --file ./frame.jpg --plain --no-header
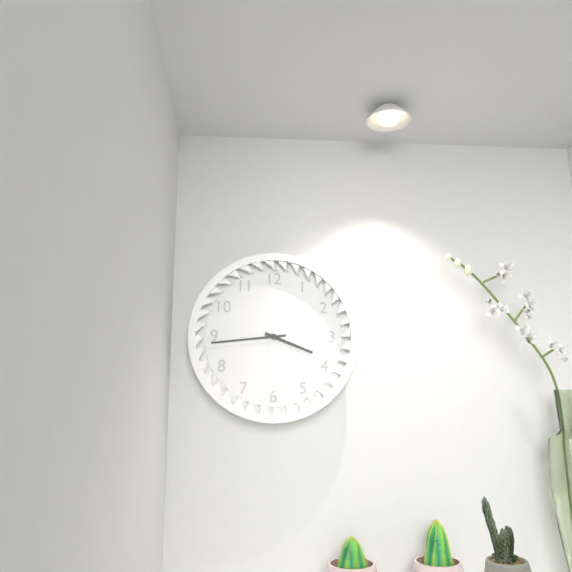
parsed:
3:44
